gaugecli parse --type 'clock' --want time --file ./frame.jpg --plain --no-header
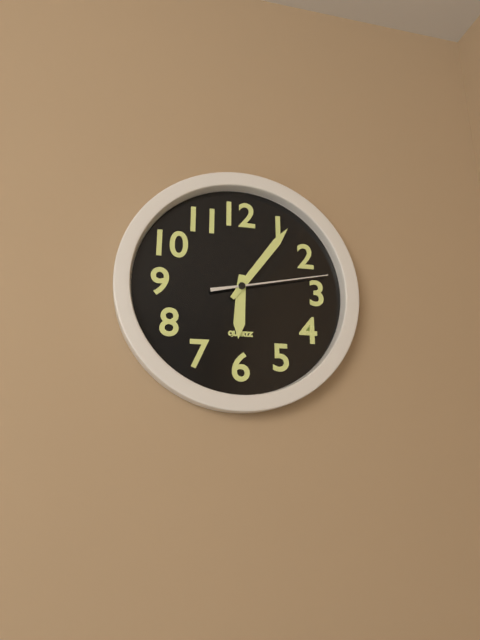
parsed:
6:06:13
